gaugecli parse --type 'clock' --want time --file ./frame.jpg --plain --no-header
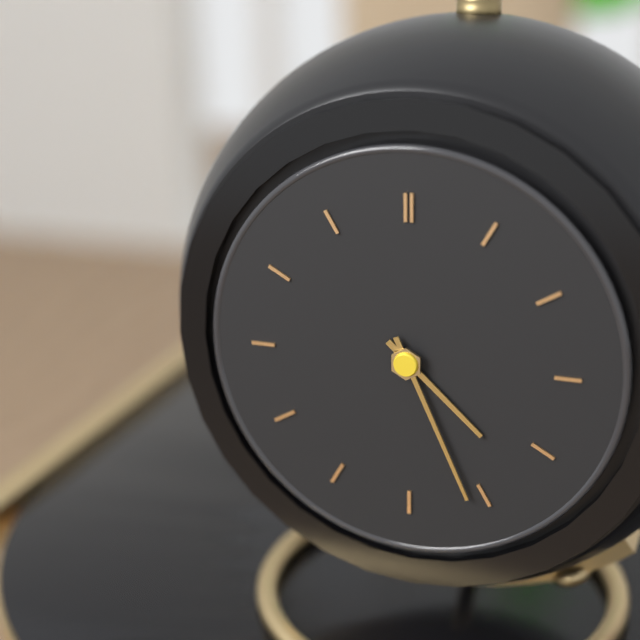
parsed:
4:26
